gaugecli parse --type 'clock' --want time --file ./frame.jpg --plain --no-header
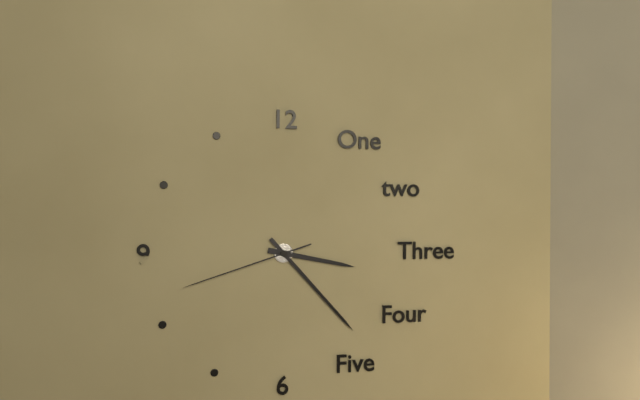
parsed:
3:23:42
